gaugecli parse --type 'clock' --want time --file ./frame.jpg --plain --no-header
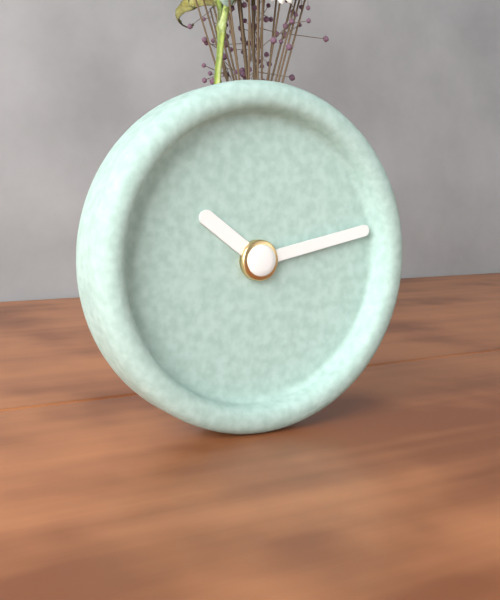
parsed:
10:13
